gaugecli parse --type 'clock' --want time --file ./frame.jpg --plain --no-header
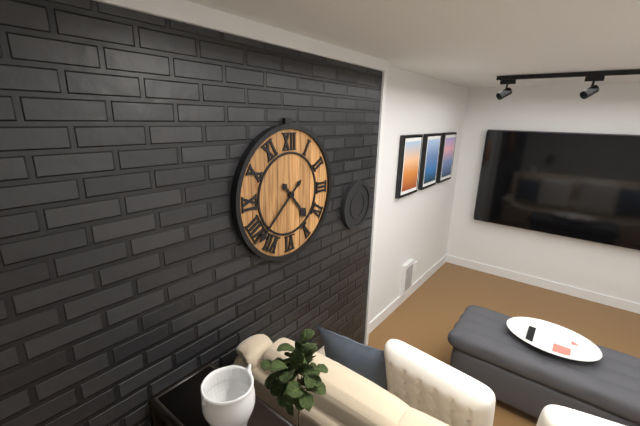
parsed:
4:38
